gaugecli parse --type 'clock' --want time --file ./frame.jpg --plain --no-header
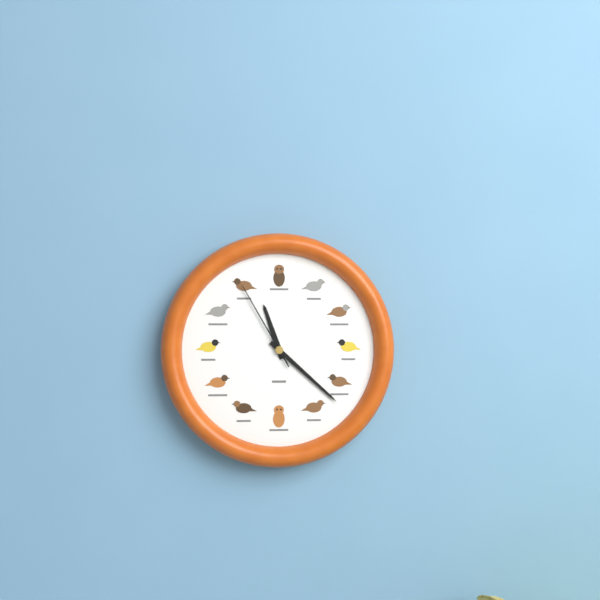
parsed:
11:22:55
